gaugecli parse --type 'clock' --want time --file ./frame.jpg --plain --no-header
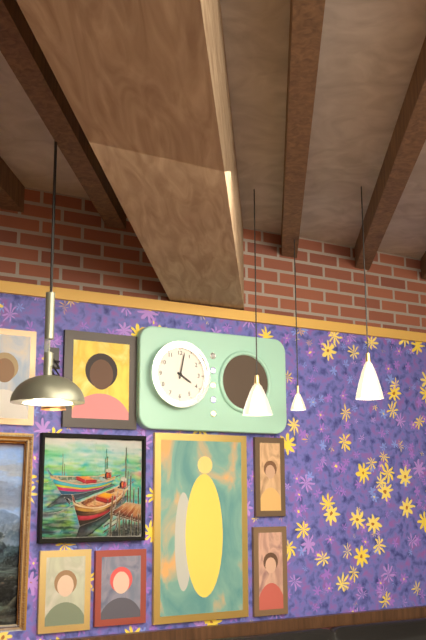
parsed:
4:02
